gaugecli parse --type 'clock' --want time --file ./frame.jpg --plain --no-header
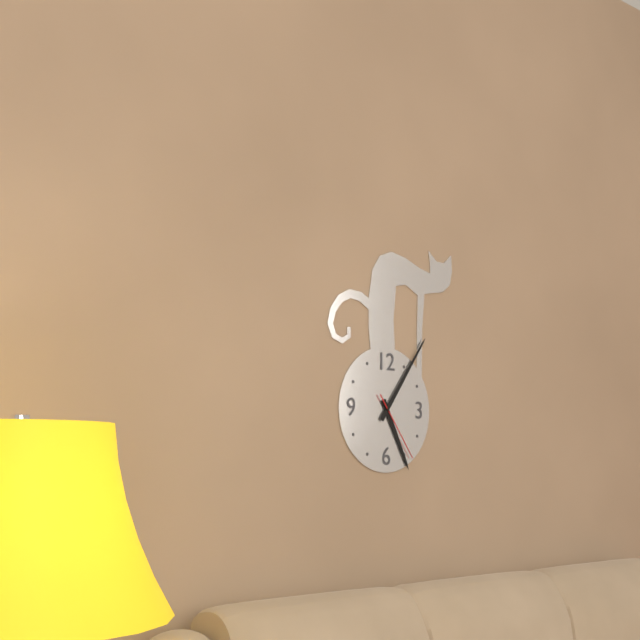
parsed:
5:06:24
